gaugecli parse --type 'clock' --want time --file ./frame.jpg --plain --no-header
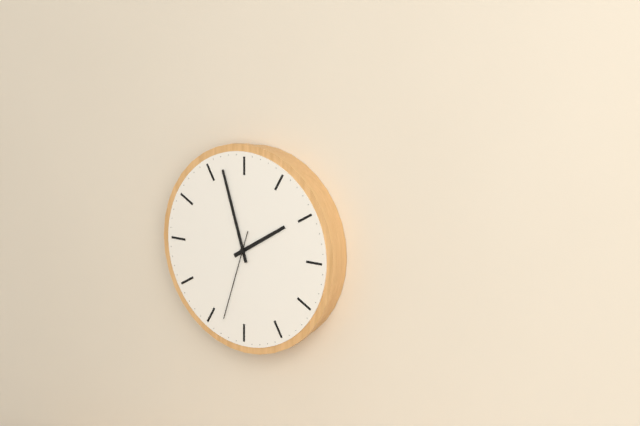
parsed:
1:57:33
